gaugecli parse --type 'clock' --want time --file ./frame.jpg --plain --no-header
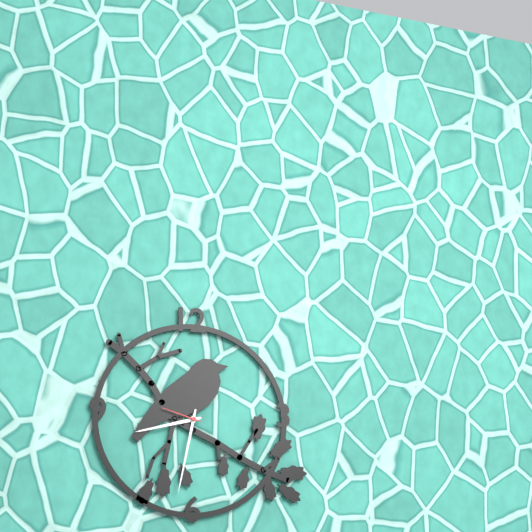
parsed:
8:32
